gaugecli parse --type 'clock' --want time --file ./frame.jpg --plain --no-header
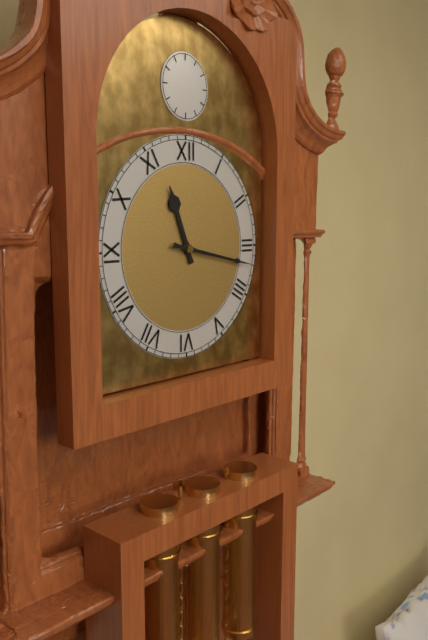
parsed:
11:17
